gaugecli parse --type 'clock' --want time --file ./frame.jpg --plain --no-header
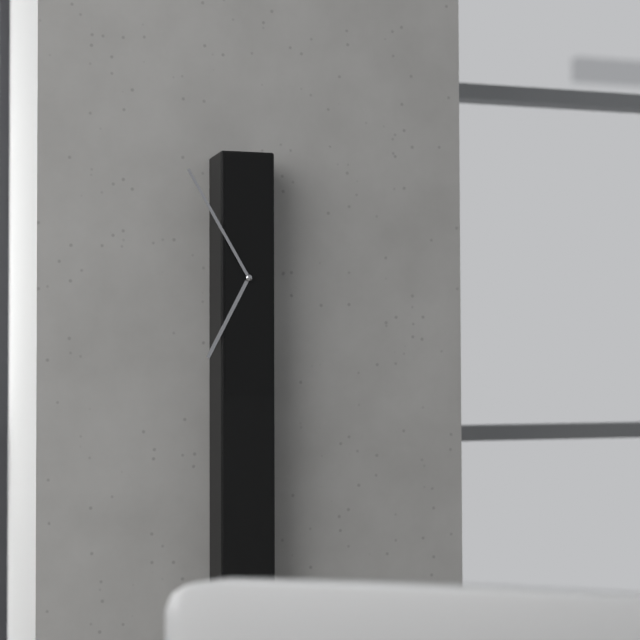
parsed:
6:55
